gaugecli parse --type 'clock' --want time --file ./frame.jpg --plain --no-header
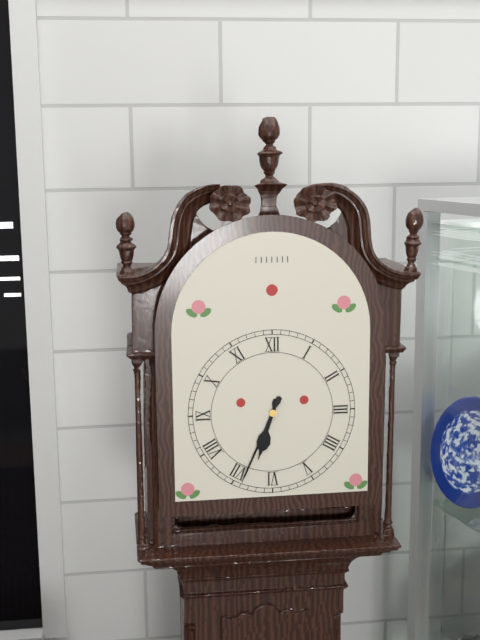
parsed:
6:34
